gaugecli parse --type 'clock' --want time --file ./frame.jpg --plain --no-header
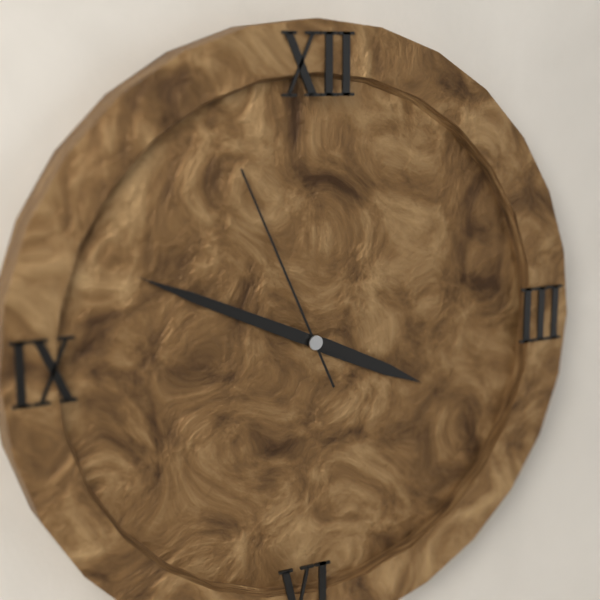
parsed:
3:49:56
